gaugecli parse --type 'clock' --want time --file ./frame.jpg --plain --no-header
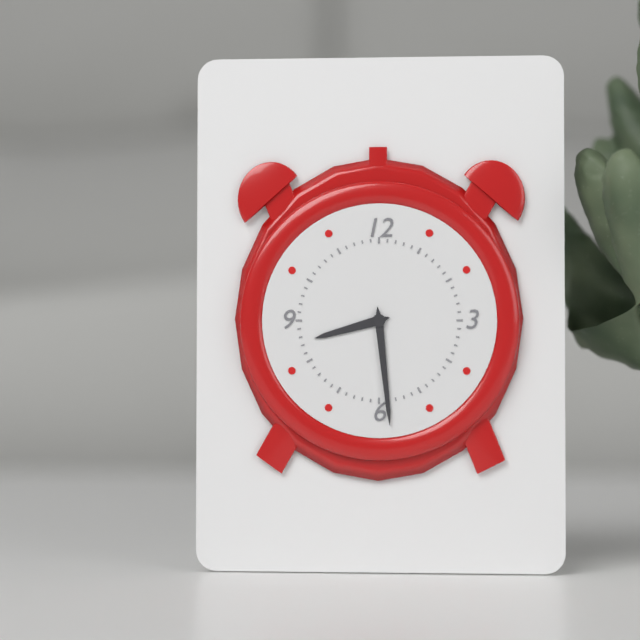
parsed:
8:29
